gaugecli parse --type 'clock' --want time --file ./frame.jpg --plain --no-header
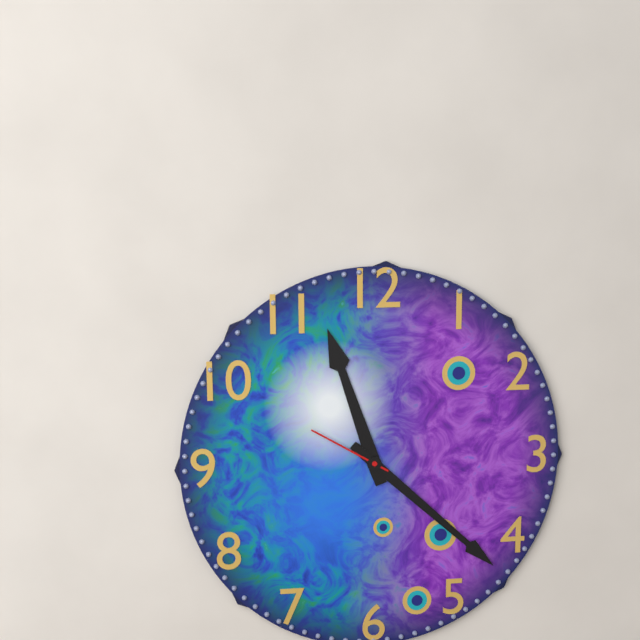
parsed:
11:22:50
